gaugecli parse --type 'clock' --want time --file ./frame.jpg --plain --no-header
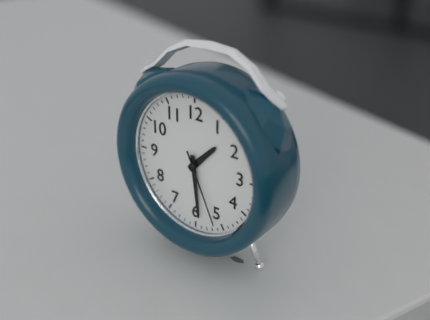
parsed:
1:29:26
